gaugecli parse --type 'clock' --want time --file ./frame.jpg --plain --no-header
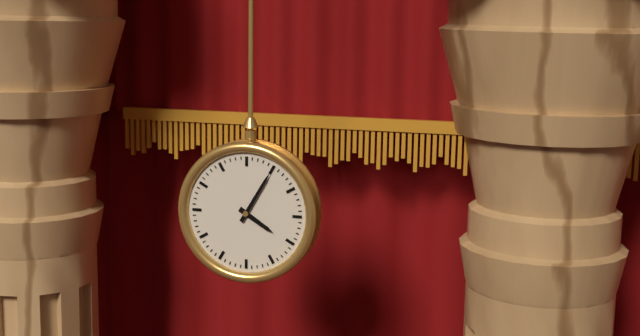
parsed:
4:05
